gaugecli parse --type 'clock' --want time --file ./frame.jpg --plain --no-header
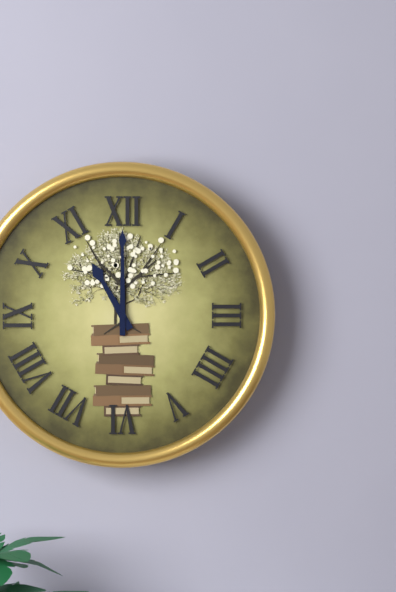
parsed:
11:00
